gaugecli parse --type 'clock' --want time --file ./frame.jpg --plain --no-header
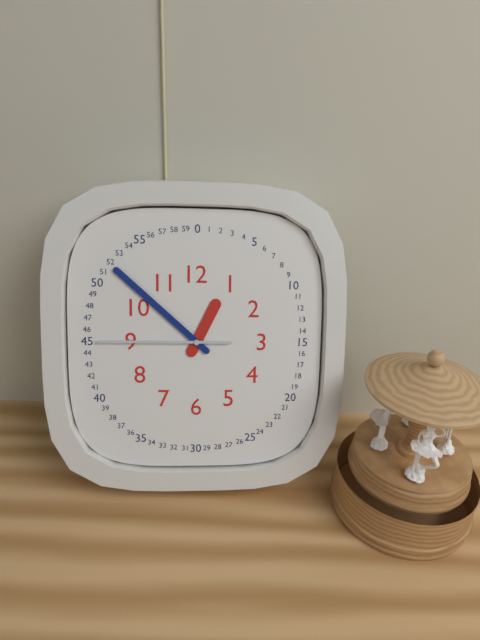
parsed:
12:52:45
